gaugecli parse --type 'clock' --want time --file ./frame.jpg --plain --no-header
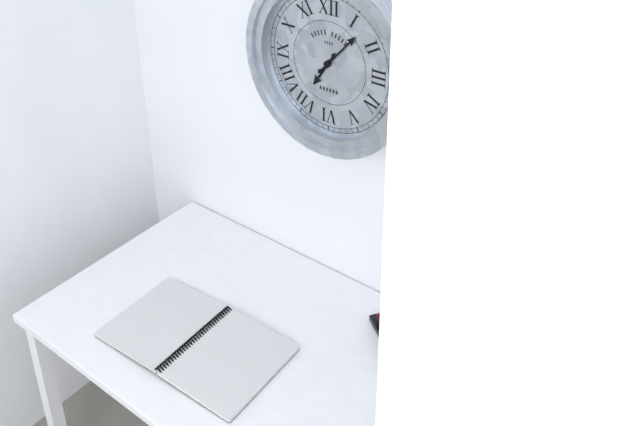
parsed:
7:07
